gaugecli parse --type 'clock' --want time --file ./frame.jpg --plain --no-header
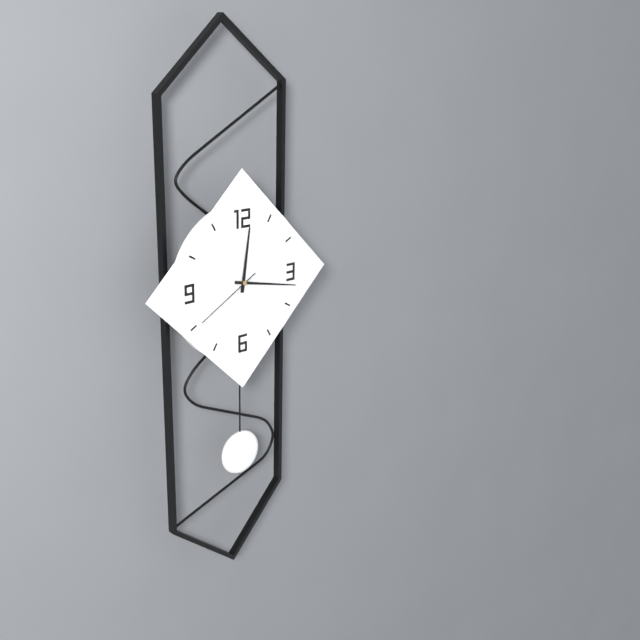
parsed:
12:17:40
